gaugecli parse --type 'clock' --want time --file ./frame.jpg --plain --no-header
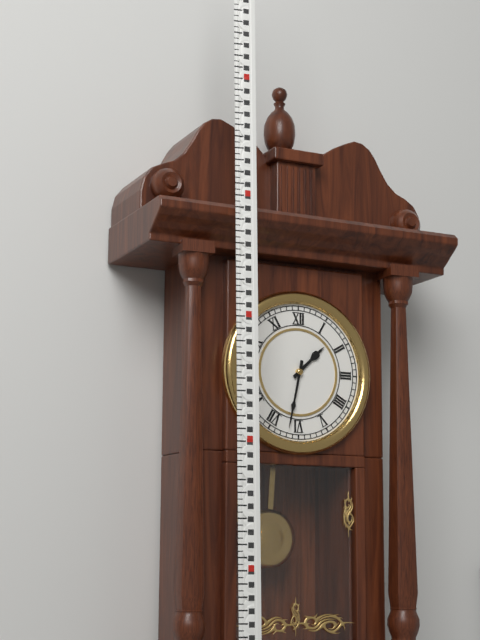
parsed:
1:32
